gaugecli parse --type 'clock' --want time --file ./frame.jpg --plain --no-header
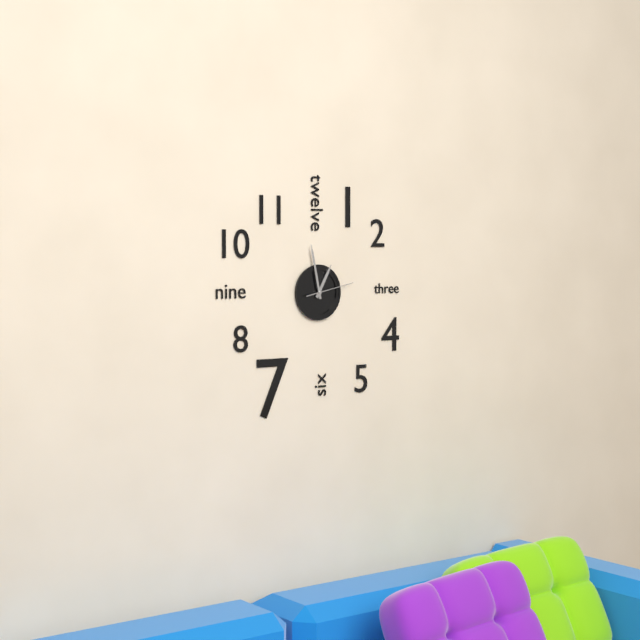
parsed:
12:58
